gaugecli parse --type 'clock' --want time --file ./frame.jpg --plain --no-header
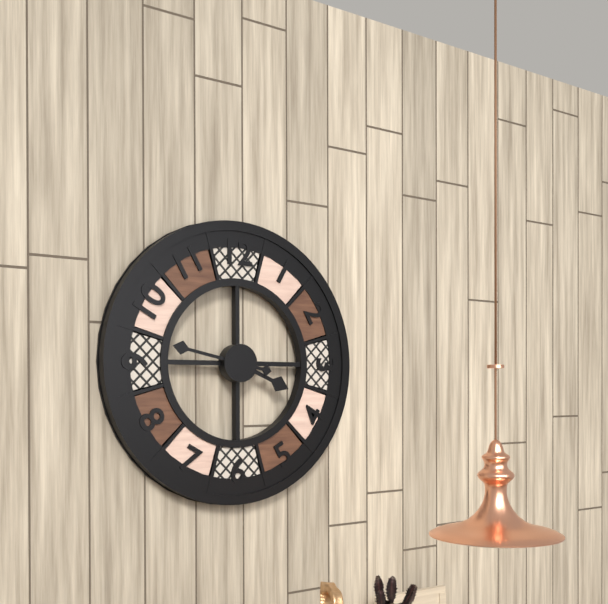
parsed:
3:47
